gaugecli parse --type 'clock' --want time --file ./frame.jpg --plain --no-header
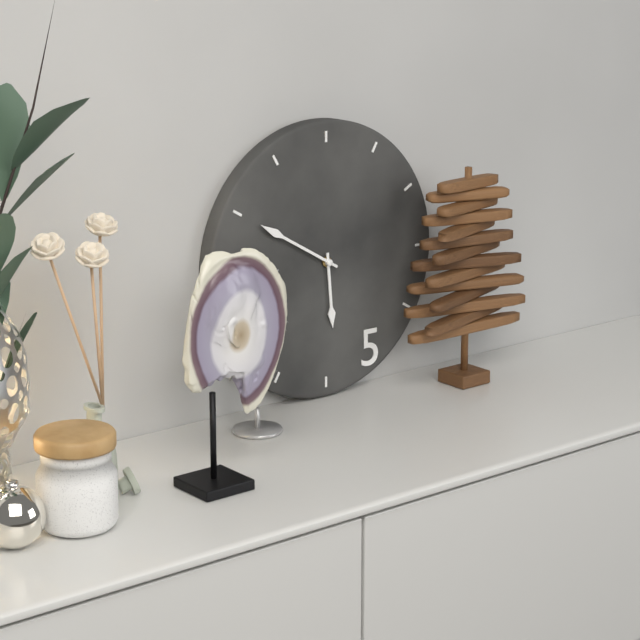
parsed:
5:50
